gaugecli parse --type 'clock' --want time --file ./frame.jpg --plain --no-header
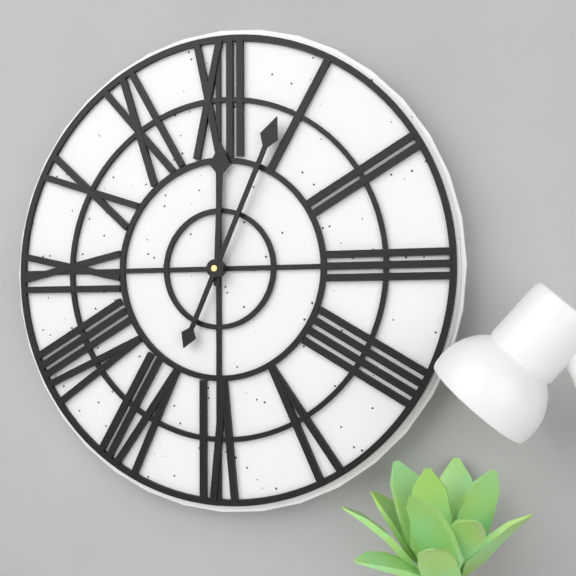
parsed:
12:04
